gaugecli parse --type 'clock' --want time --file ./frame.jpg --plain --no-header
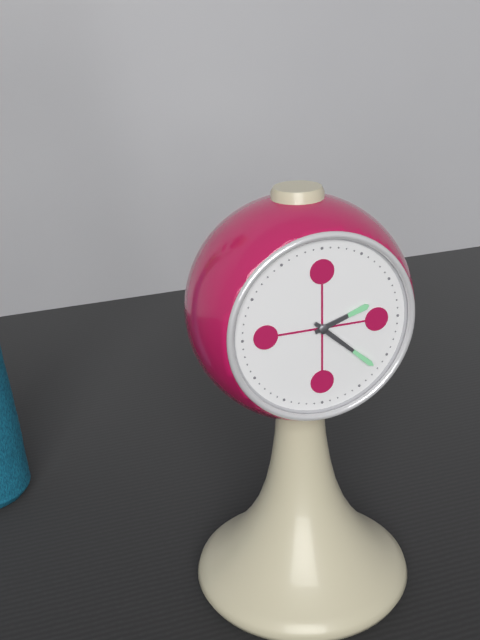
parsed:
2:22
